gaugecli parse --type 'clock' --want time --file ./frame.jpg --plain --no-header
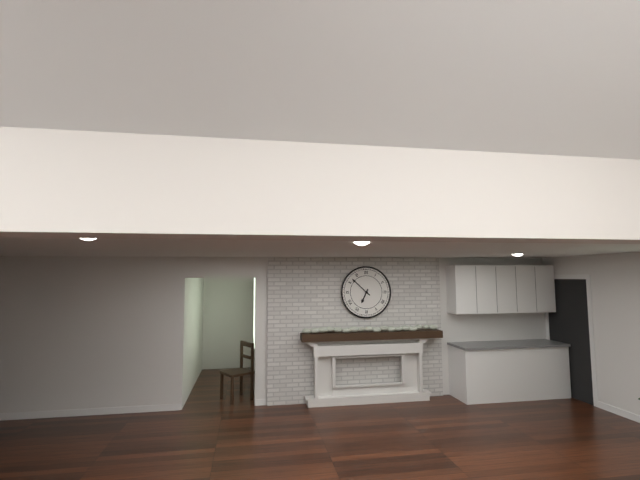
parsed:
6:52
